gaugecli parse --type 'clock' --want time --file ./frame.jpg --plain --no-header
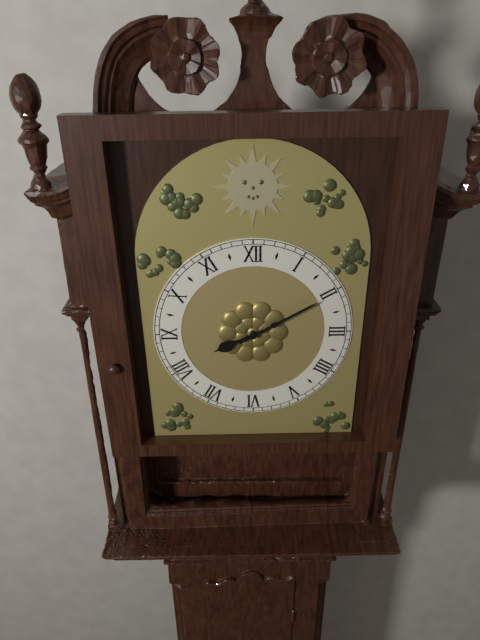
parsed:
8:10
